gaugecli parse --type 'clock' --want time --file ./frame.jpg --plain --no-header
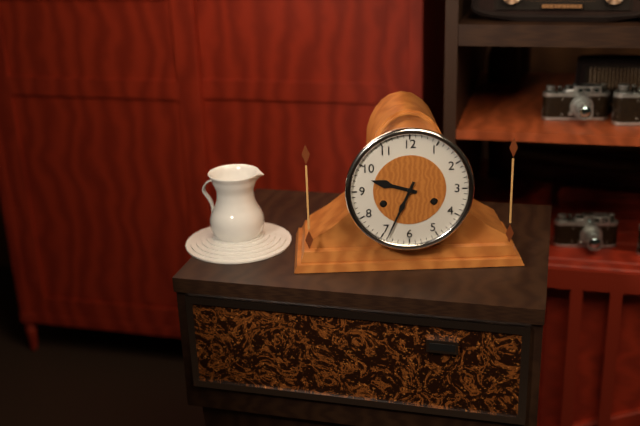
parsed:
9:34
